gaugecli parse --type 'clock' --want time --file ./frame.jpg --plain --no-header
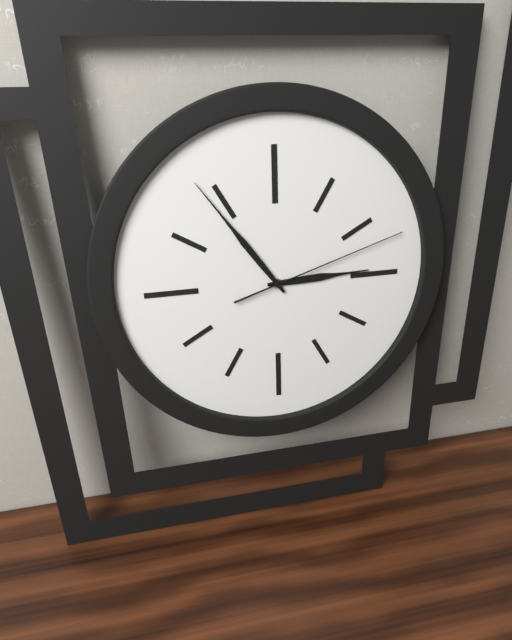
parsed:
2:54:12
